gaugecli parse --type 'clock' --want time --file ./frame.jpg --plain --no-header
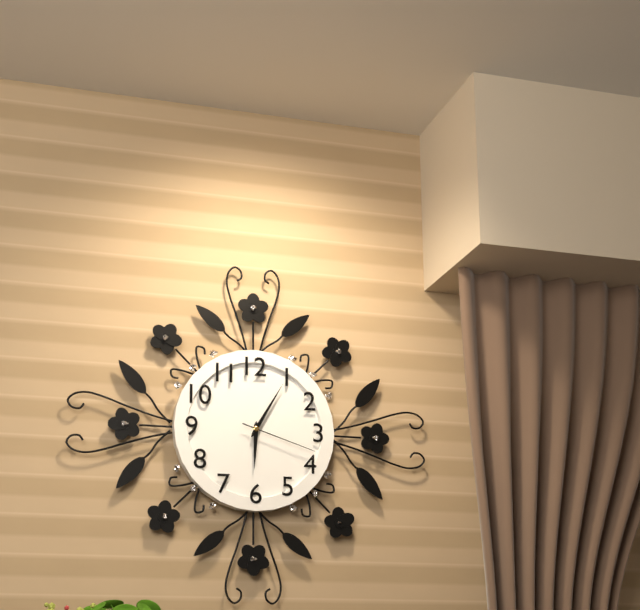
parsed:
6:05:18
